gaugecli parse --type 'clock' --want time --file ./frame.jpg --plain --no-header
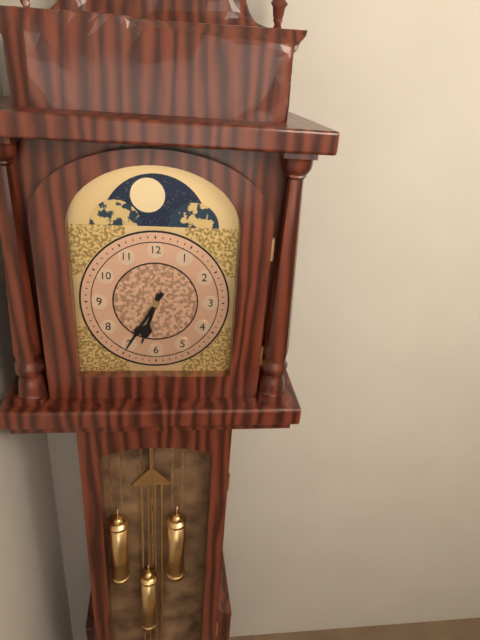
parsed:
6:35
